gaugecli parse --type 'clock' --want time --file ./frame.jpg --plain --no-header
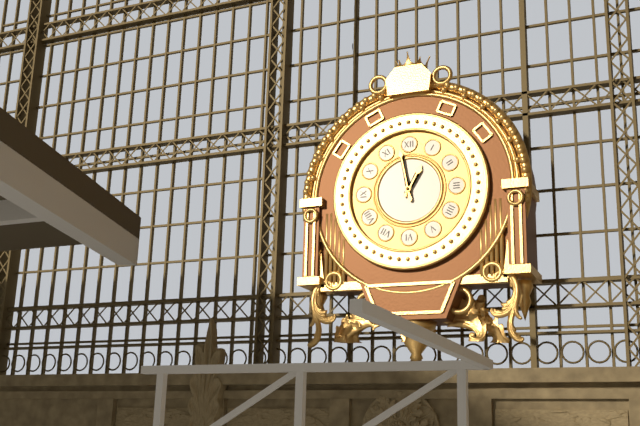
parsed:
12:58
